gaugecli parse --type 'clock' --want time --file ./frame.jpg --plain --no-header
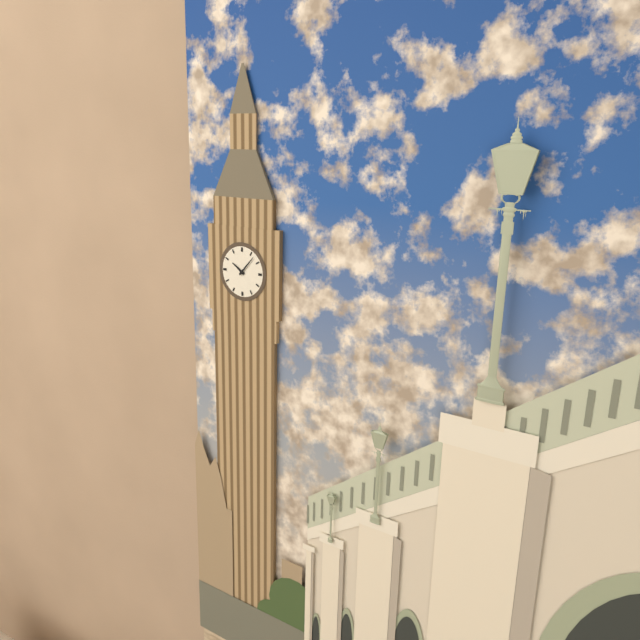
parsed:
10:07
